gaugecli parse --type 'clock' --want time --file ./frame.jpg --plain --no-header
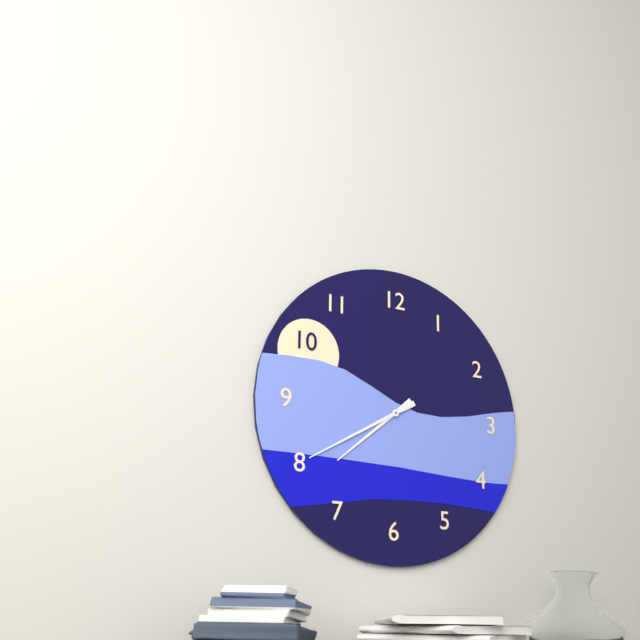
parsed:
7:40
